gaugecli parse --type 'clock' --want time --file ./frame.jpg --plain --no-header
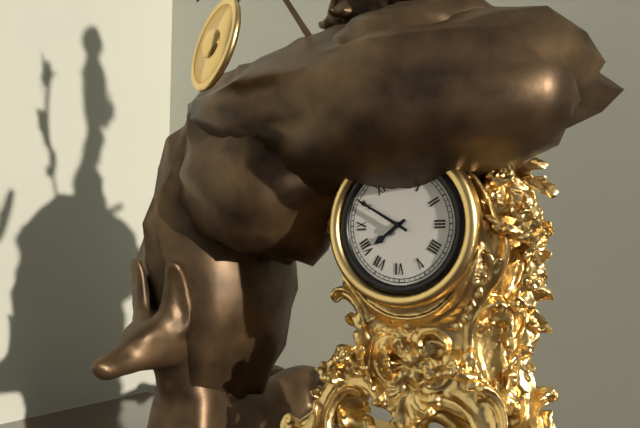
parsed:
7:50
